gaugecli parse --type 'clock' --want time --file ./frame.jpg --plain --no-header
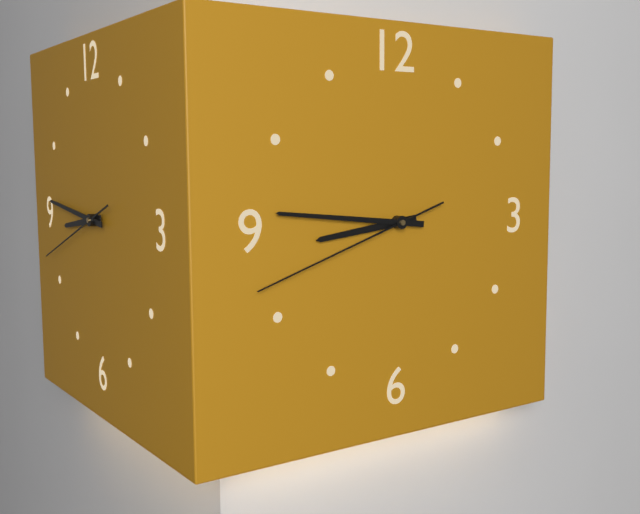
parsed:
8:46:42
